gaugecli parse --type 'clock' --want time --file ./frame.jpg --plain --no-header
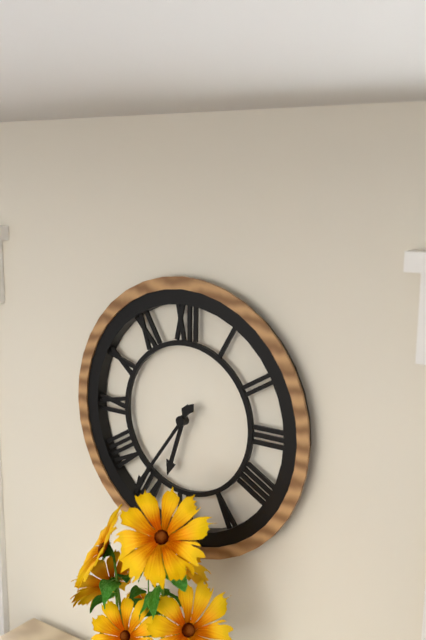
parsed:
6:36
